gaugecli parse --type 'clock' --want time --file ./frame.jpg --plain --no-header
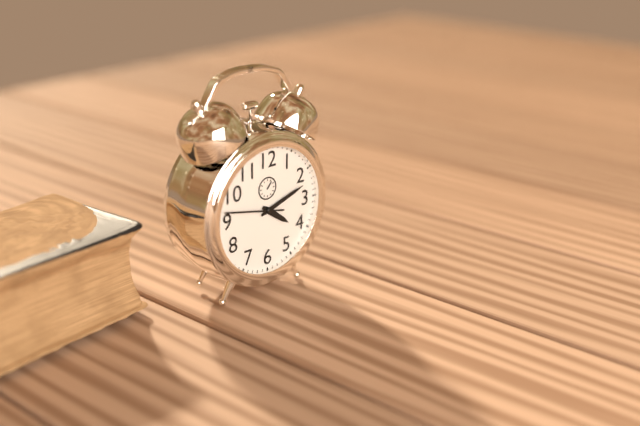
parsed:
4:12:47
